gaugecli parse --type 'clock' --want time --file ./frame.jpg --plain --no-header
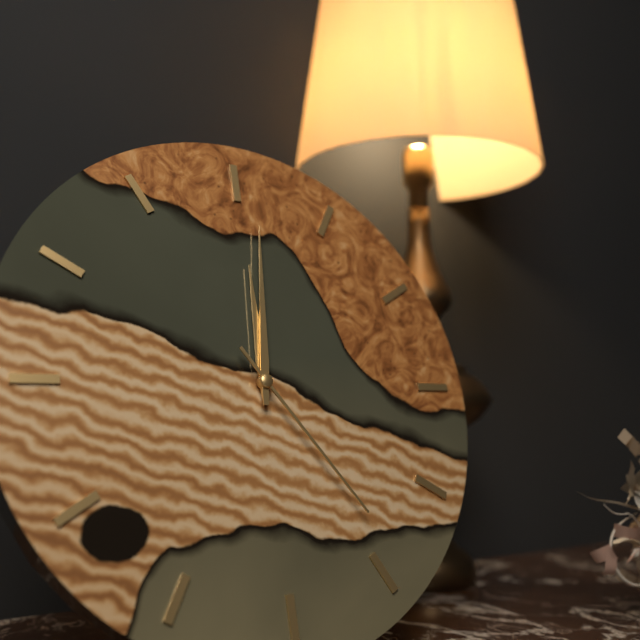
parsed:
12:01:24
